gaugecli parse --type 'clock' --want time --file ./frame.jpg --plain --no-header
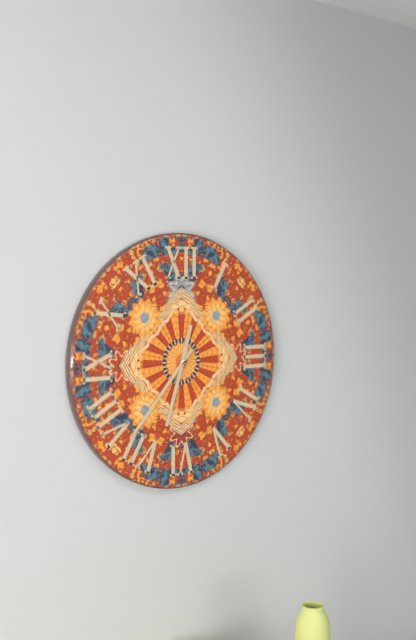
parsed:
12:33:37
